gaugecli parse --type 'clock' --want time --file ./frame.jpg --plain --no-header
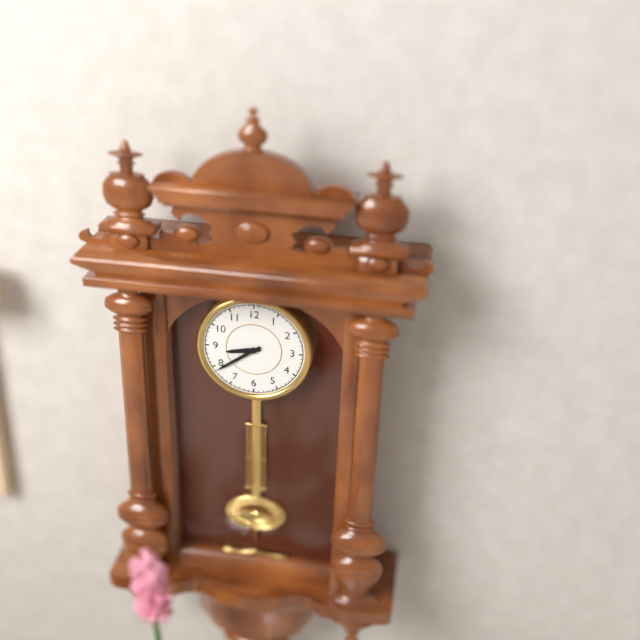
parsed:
8:39
